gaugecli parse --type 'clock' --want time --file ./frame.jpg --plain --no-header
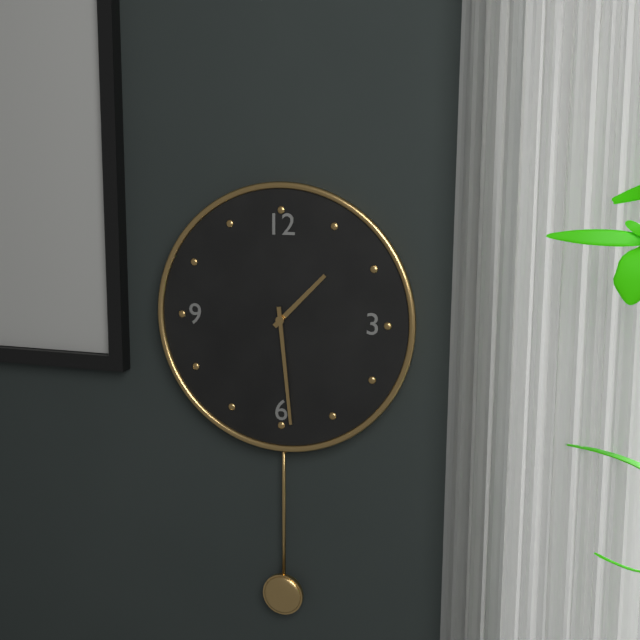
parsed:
1:29
